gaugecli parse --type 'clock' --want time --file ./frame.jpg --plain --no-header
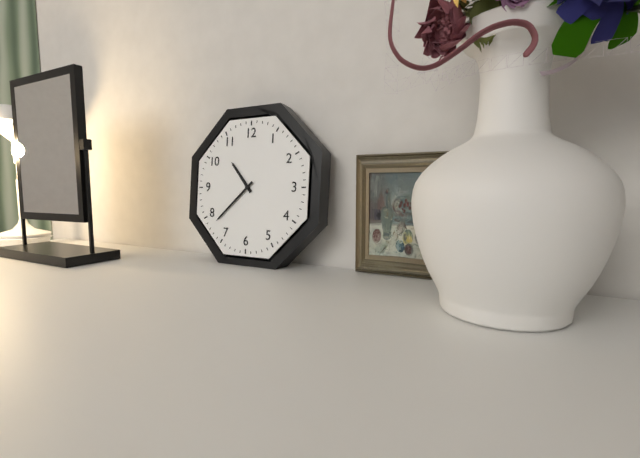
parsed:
10:38
